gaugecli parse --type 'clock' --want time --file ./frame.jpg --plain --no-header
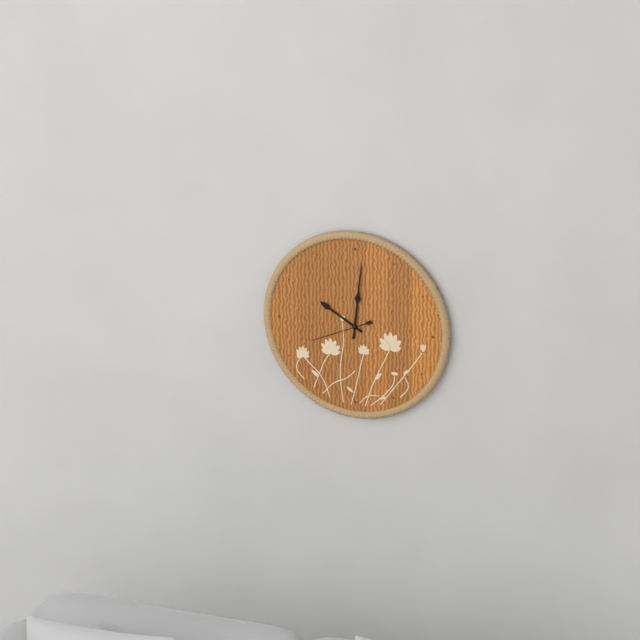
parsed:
10:01:41
